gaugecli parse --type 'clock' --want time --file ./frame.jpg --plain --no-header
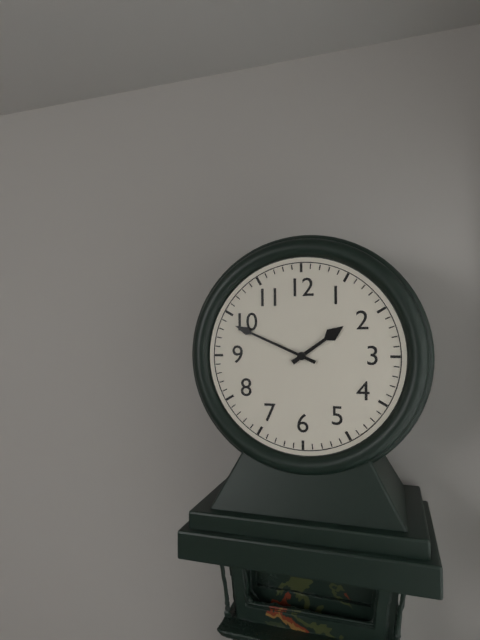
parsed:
1:49
